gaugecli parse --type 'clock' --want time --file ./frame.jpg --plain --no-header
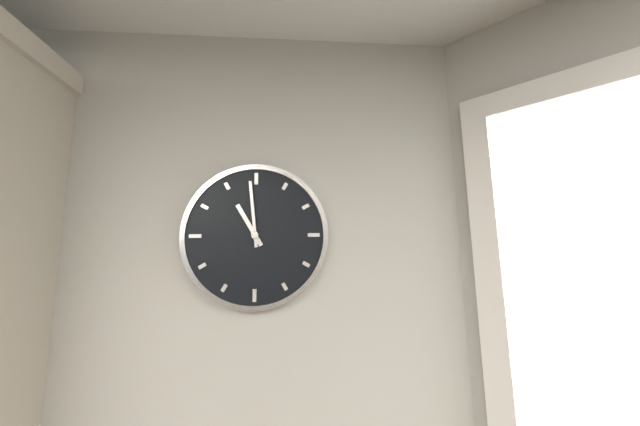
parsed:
10:59
